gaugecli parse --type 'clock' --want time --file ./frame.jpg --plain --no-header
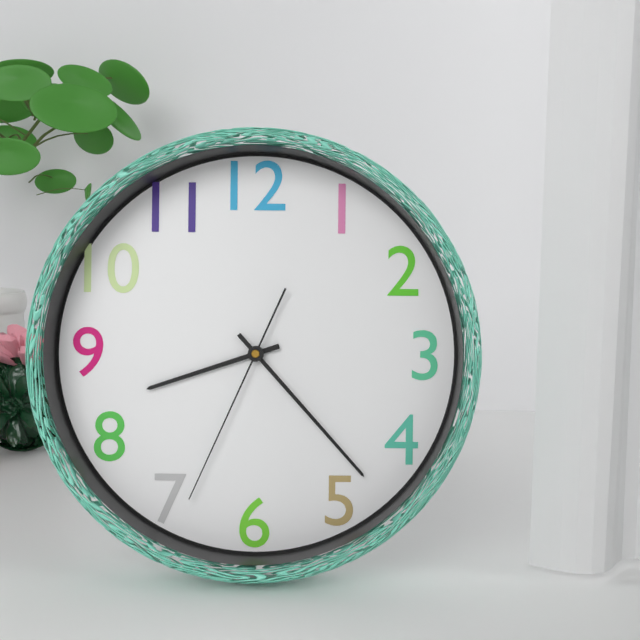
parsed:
8:23:34
